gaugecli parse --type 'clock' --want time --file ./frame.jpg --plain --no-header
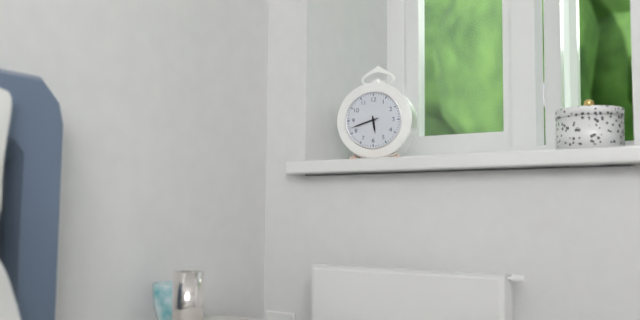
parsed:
5:42
